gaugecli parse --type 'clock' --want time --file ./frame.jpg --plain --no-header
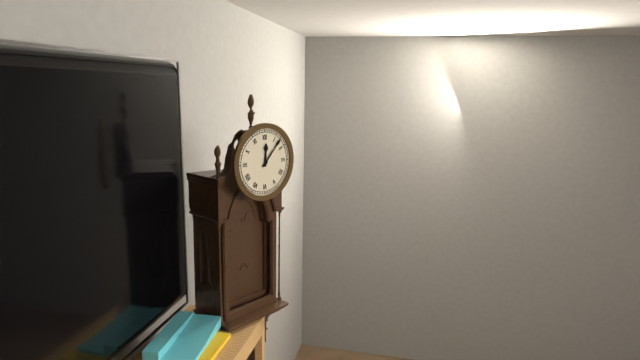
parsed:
12:07
